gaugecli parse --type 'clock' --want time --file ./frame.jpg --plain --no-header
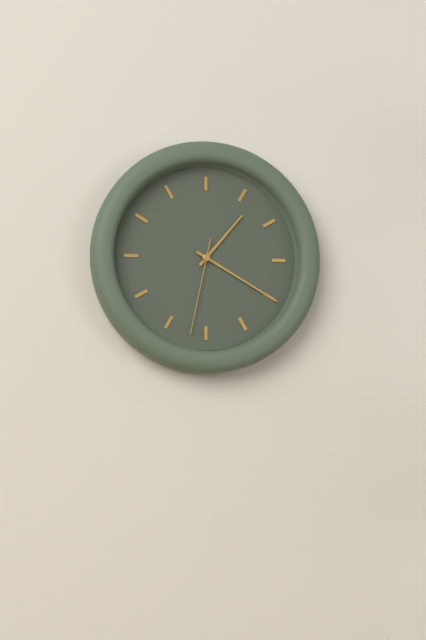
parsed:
1:20:32
